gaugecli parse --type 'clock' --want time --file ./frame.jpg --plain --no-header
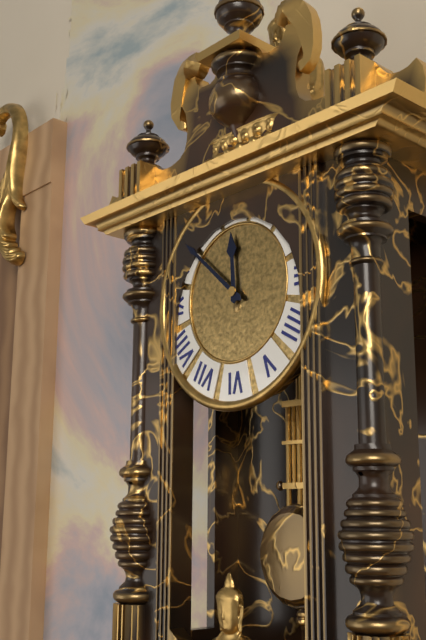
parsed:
11:52
